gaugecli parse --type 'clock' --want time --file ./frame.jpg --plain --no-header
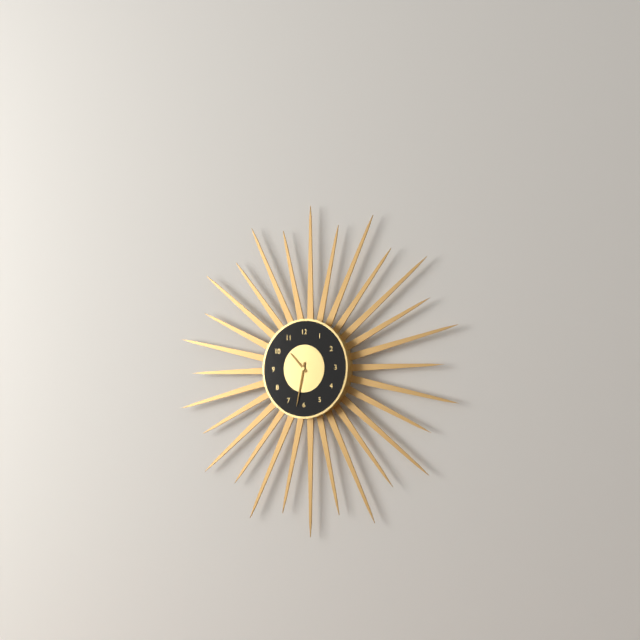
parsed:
10:32
